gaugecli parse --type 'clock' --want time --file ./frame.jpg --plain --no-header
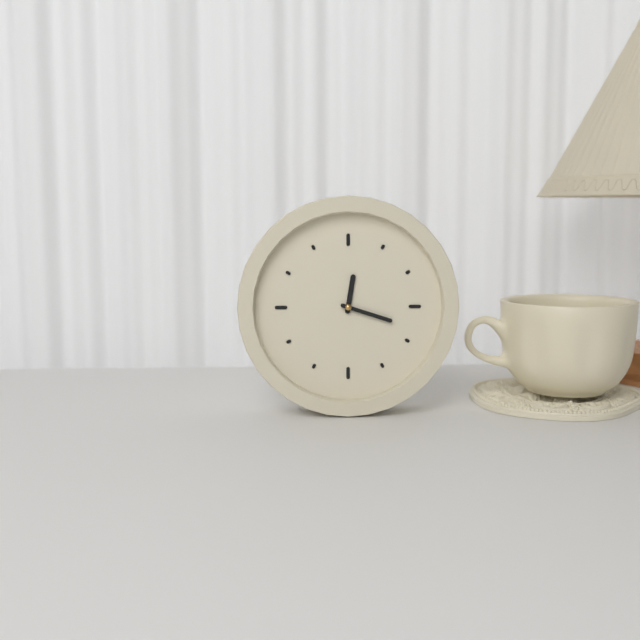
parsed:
12:18
